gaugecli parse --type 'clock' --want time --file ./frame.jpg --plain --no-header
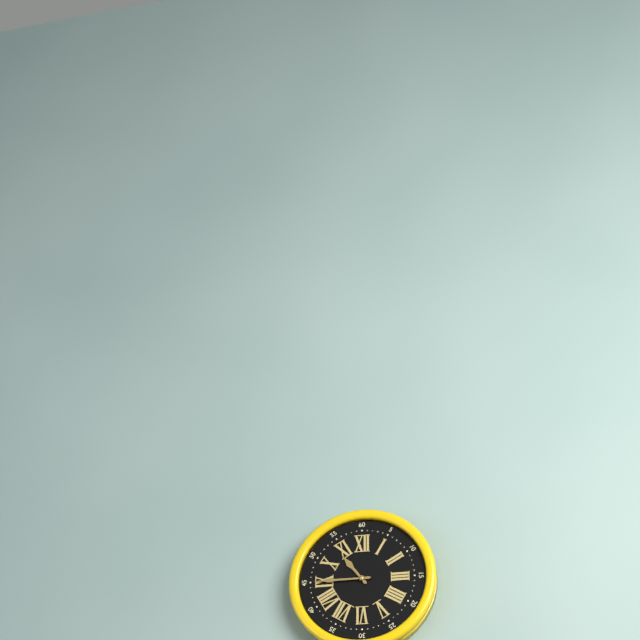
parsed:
10:45
